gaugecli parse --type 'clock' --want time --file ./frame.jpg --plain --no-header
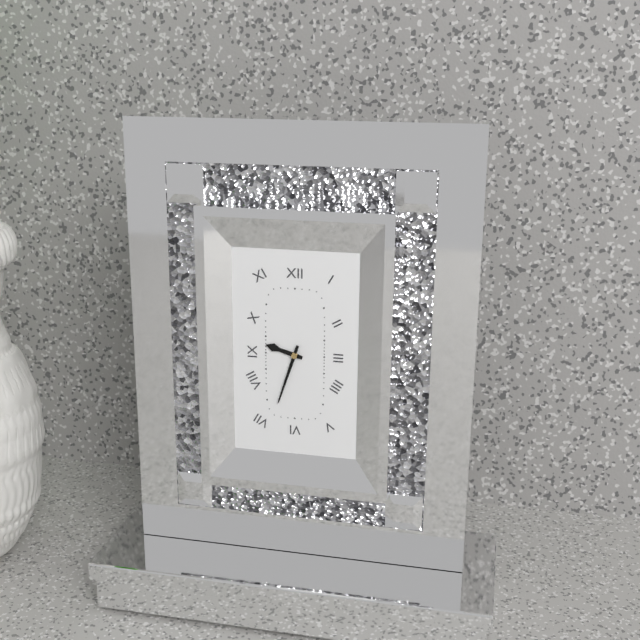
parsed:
9:33
